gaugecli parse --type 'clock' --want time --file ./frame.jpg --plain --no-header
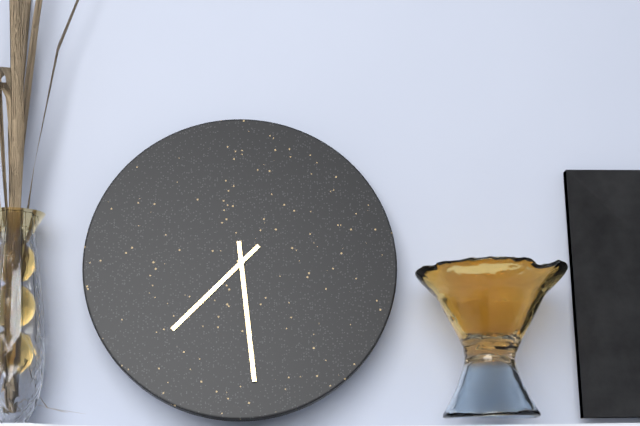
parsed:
7:29
